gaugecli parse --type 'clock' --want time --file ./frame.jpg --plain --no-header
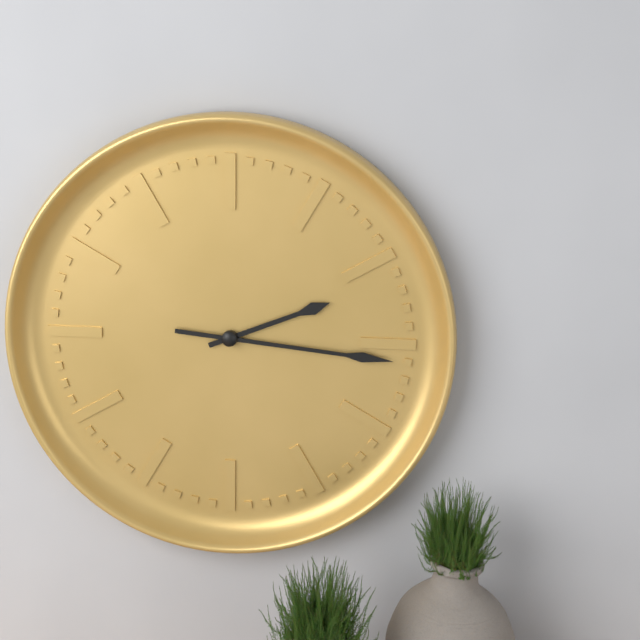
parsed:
2:16
